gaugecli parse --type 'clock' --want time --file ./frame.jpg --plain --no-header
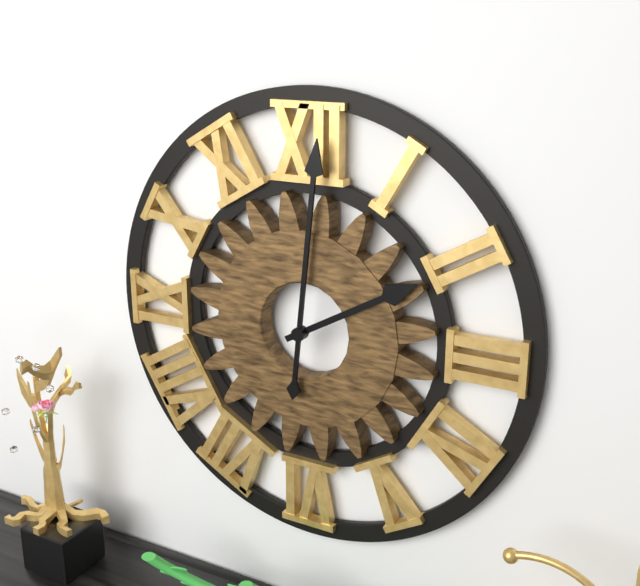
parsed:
2:01
